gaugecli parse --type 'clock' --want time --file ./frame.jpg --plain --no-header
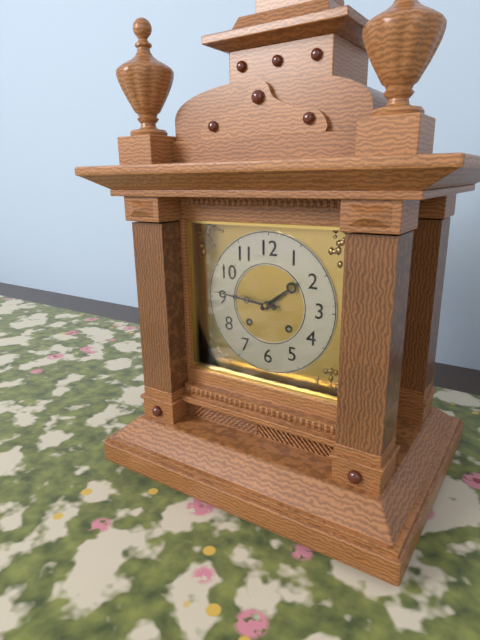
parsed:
1:46
